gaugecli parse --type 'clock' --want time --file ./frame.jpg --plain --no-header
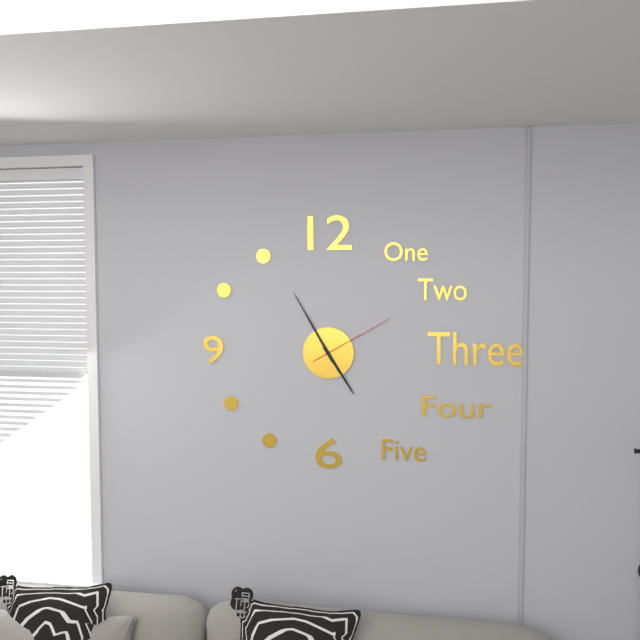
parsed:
4:55:10
